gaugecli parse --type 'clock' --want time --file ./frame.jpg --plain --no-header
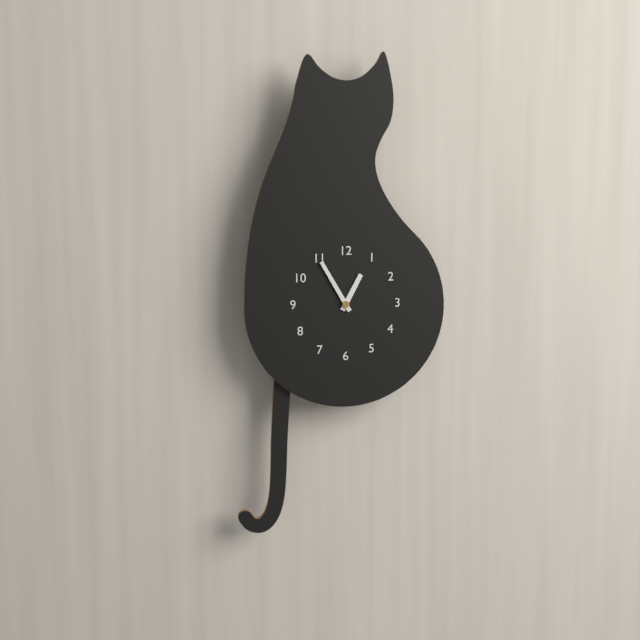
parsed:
12:55
